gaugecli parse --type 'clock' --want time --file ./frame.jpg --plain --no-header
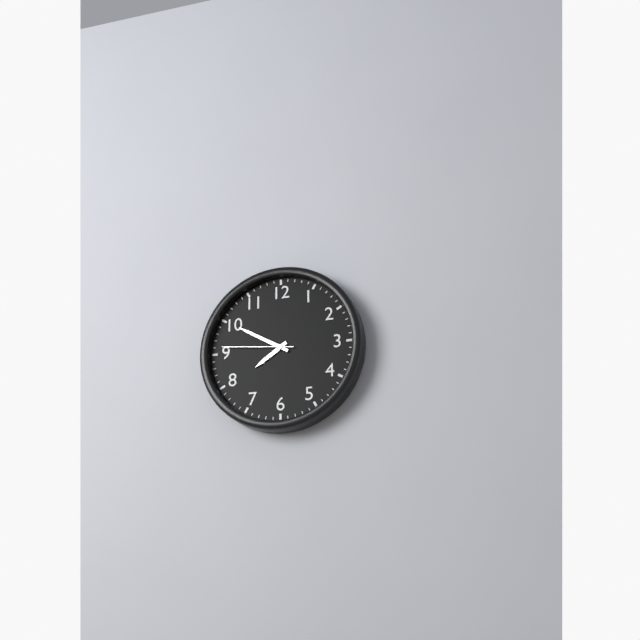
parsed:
7:50:46
